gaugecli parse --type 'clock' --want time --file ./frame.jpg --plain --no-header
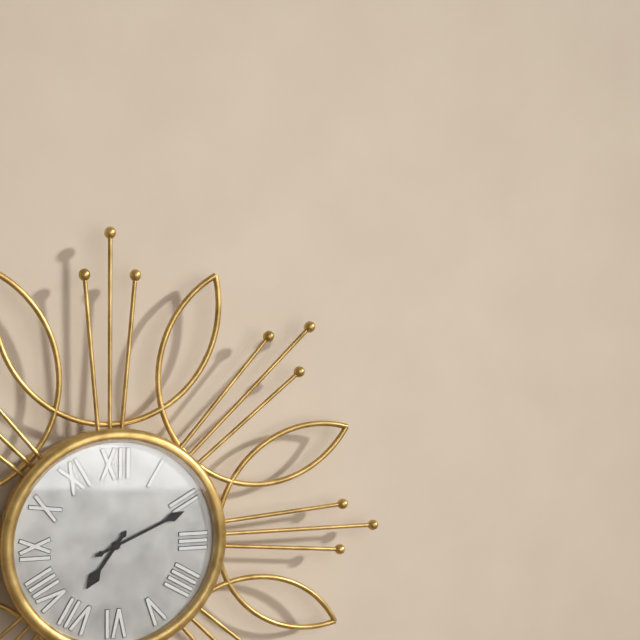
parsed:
7:11
